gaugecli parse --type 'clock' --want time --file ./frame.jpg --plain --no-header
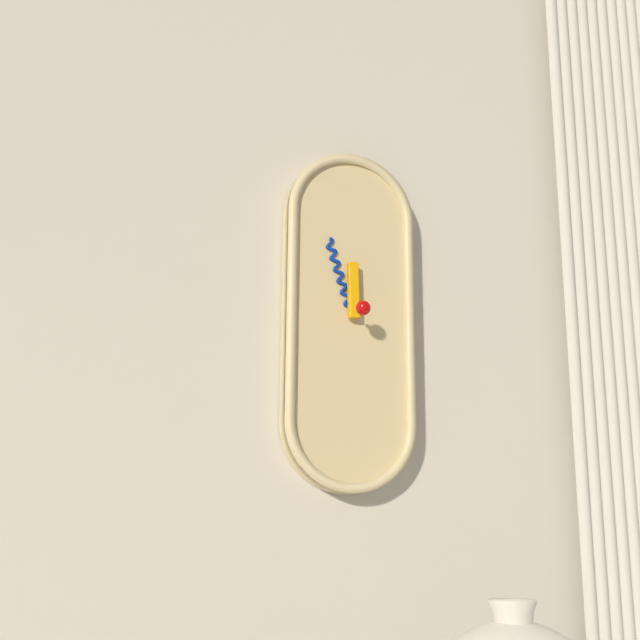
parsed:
11:57
